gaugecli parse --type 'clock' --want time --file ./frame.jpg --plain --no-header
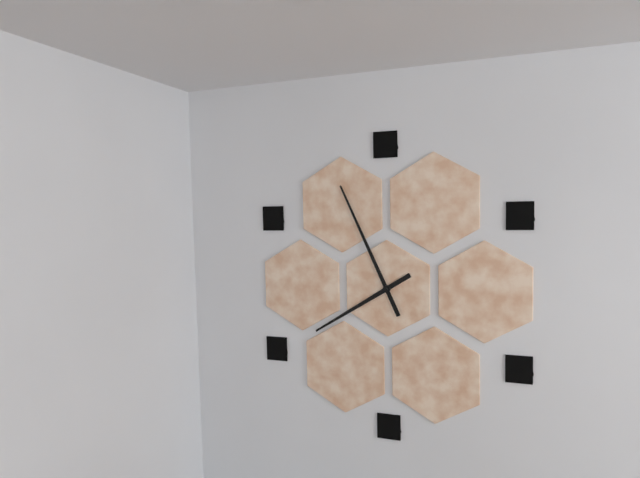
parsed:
7:56
